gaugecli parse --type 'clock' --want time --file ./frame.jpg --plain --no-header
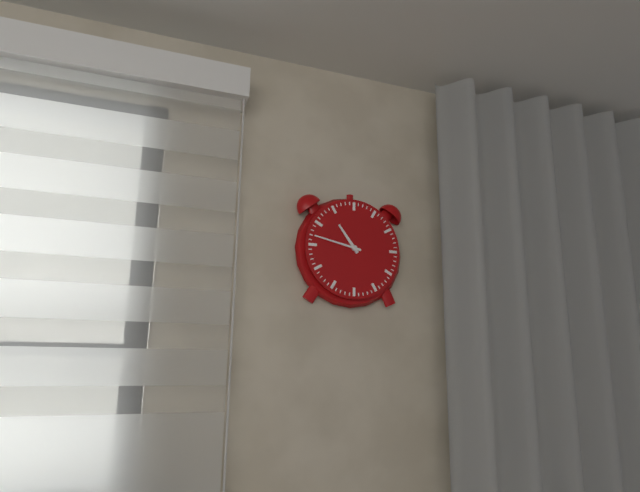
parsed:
10:47
